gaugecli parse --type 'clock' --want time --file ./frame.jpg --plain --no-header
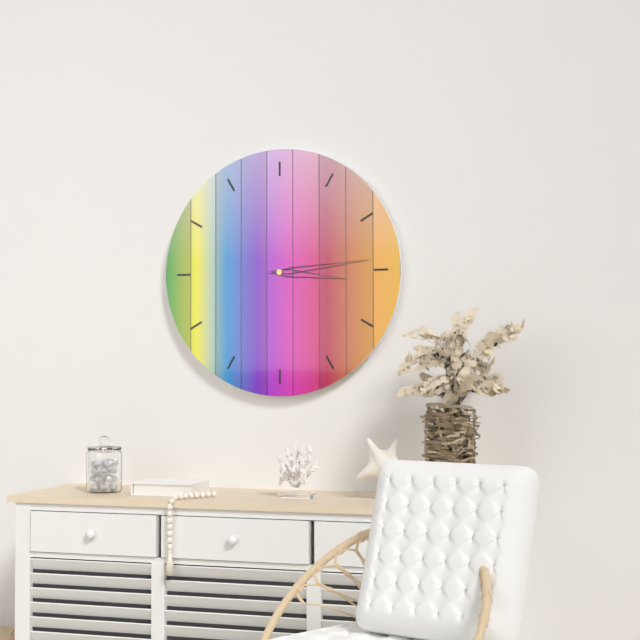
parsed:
3:14
